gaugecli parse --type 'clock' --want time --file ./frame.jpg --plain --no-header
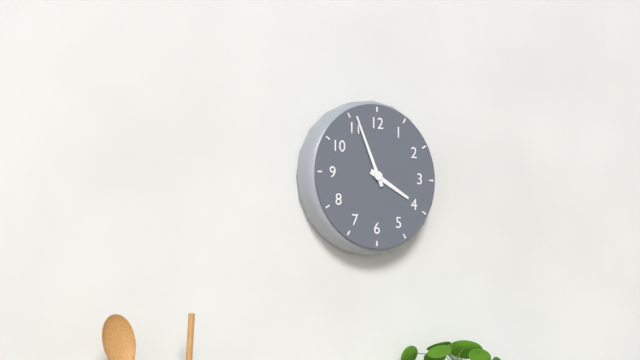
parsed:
3:56
